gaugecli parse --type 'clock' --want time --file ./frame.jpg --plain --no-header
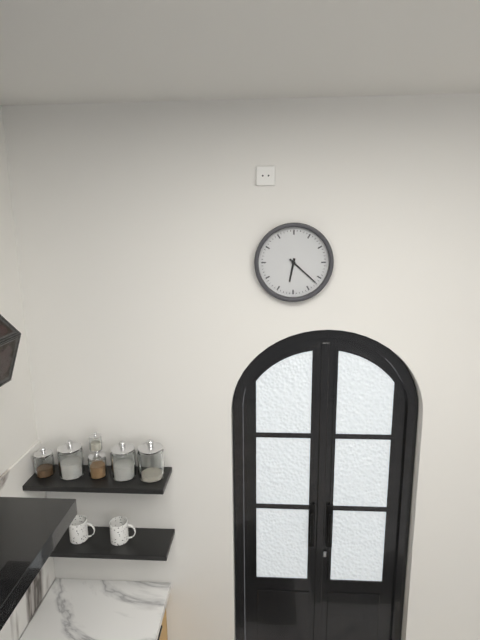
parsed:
6:22
